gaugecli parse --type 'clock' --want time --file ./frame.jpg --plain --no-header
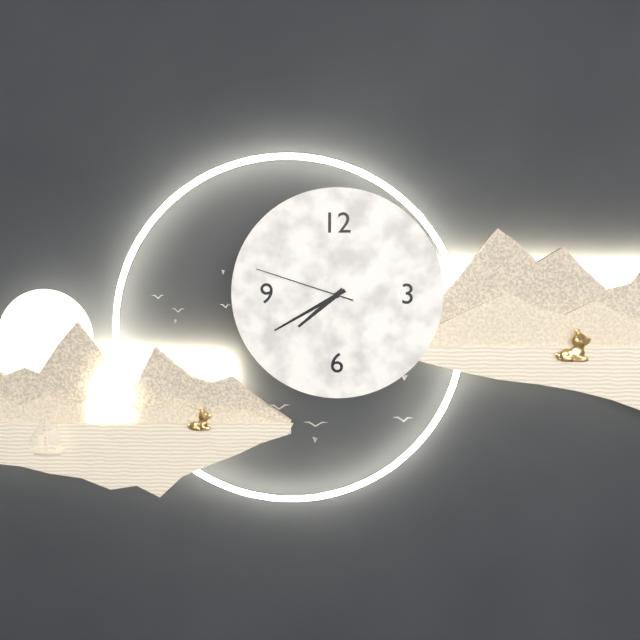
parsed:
7:40:48
